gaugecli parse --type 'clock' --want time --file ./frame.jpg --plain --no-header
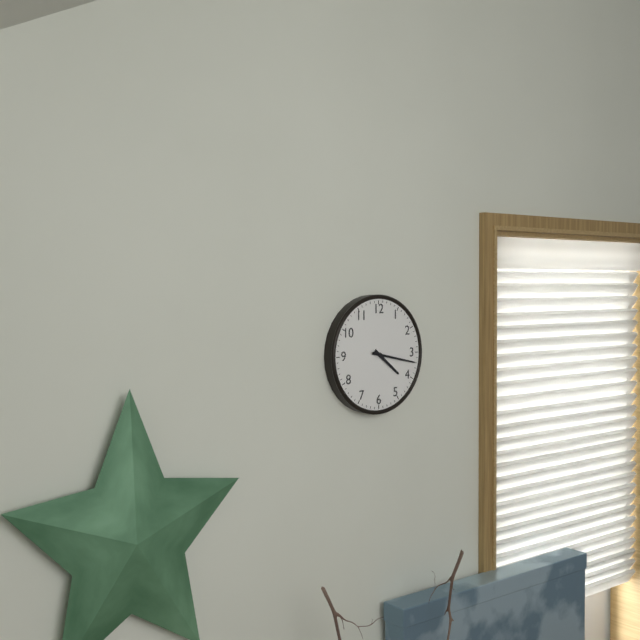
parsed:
4:17
